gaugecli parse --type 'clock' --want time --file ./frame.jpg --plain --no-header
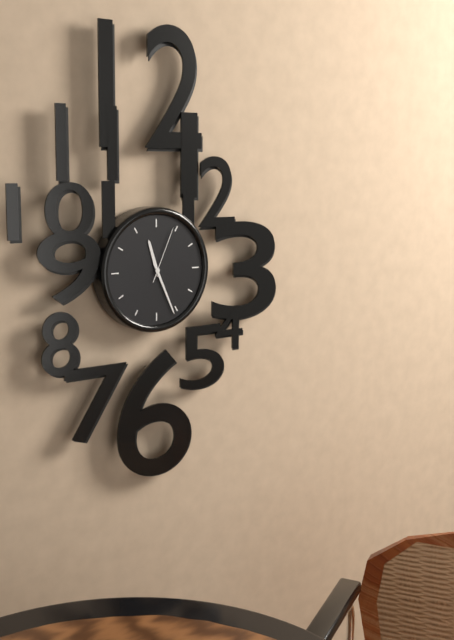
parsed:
11:26:04
